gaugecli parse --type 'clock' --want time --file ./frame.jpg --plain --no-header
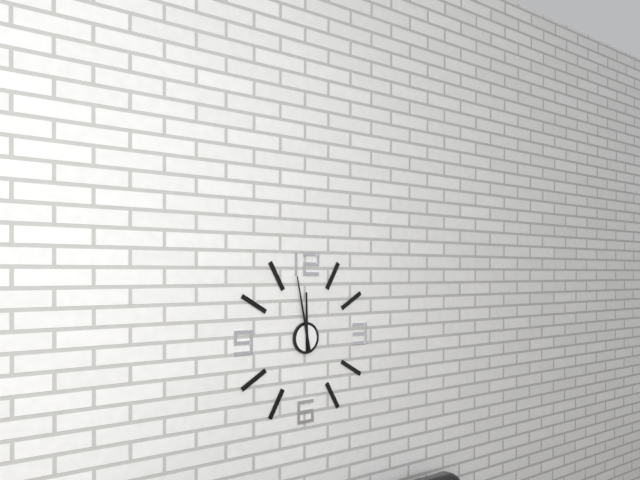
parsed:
11:58
